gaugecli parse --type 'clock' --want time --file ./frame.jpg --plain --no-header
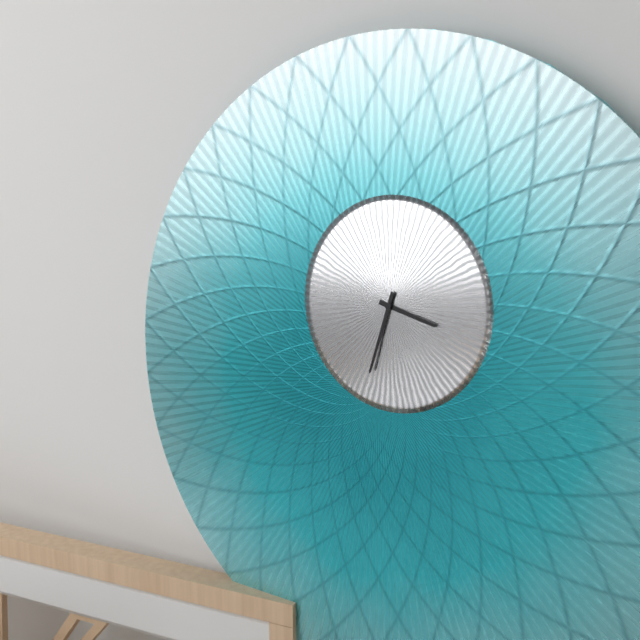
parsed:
3:33
